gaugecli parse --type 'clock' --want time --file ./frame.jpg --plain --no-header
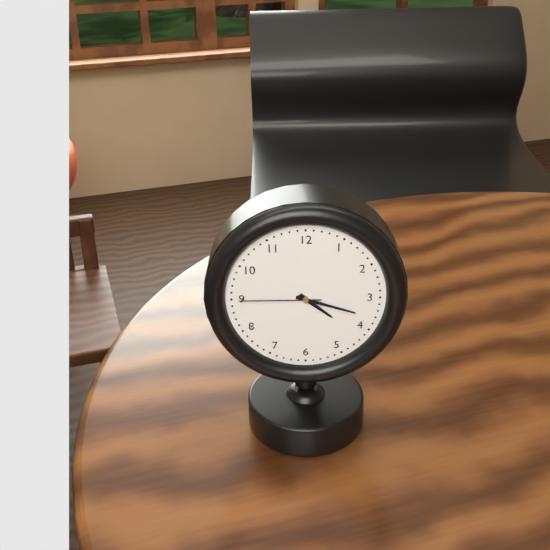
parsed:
4:18:45
